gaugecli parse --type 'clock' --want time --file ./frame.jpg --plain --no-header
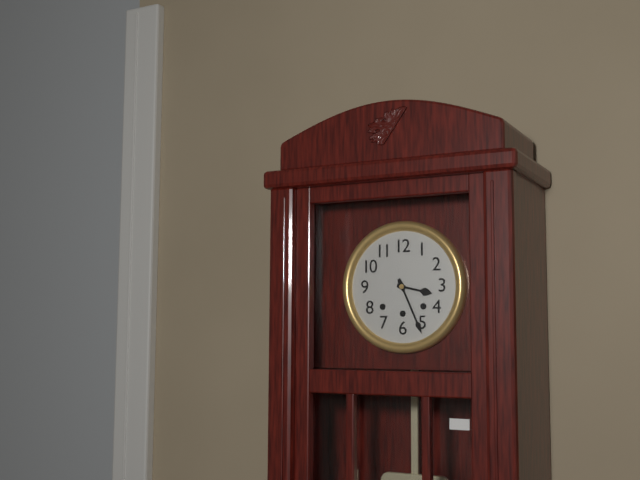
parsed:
3:26
